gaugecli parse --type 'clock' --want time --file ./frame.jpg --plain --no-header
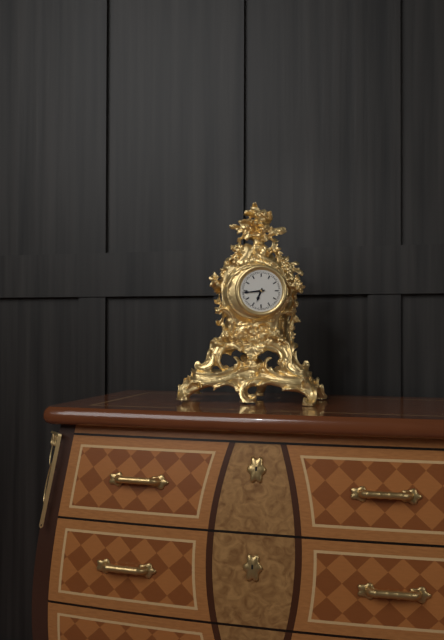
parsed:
6:44
